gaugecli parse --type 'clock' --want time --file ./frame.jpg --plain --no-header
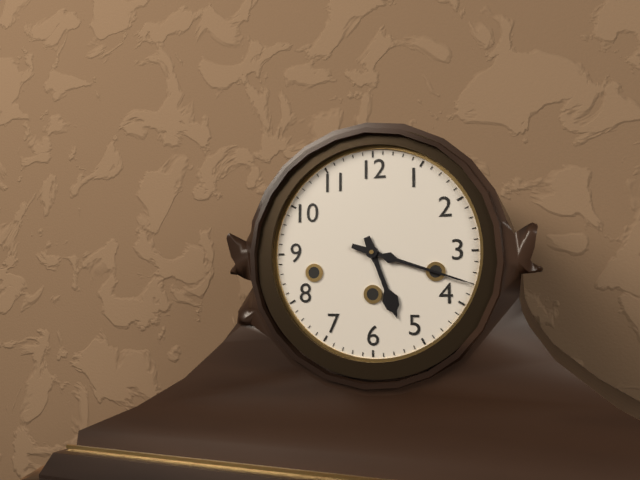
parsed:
5:18
